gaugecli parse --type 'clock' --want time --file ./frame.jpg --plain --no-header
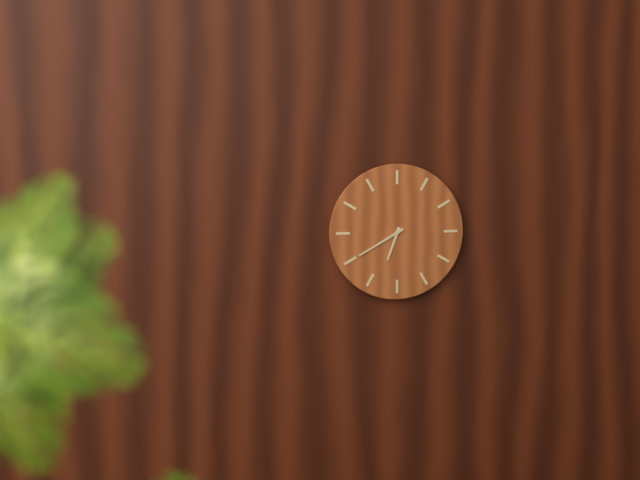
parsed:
6:40
